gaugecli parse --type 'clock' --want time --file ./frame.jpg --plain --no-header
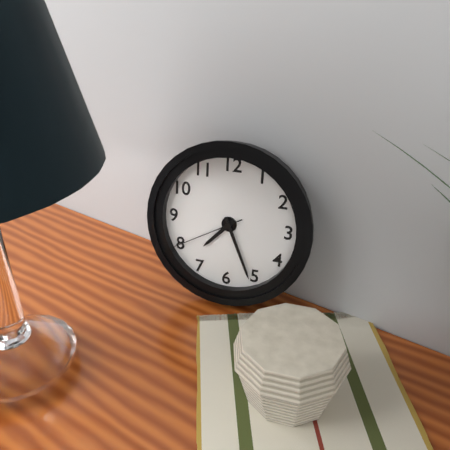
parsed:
7:26:40
